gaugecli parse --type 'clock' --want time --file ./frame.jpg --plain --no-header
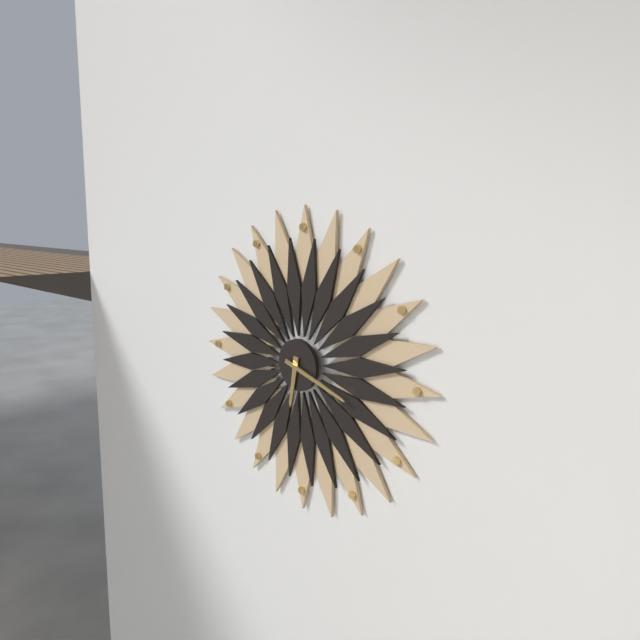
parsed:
6:18
